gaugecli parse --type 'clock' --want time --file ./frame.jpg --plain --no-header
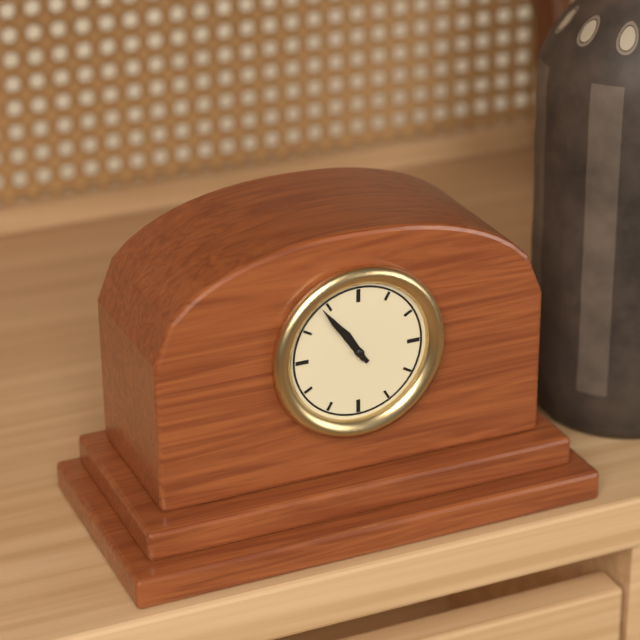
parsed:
10:54
